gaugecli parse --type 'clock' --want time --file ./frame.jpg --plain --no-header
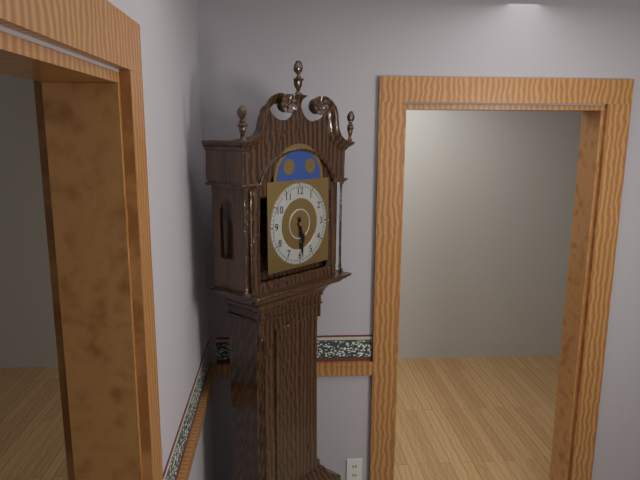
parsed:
5:29
